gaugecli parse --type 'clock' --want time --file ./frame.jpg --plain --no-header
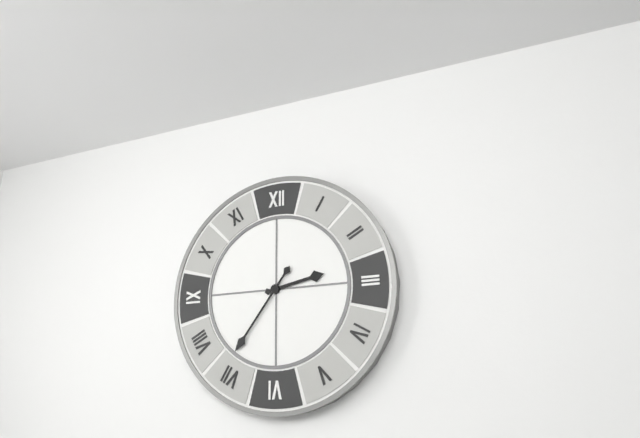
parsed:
2:36
